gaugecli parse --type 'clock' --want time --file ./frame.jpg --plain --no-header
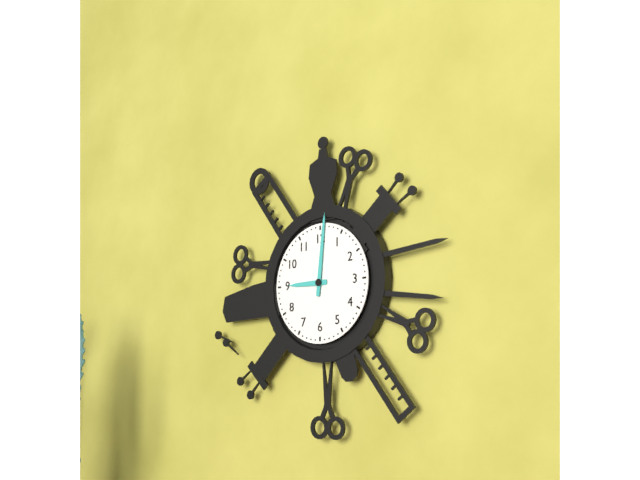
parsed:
9:01
